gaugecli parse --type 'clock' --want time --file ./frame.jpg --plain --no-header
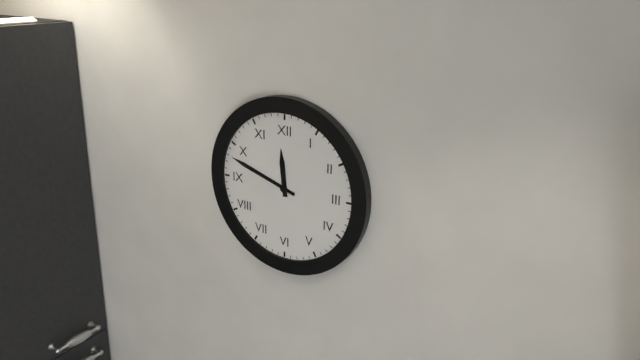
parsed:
11:48
